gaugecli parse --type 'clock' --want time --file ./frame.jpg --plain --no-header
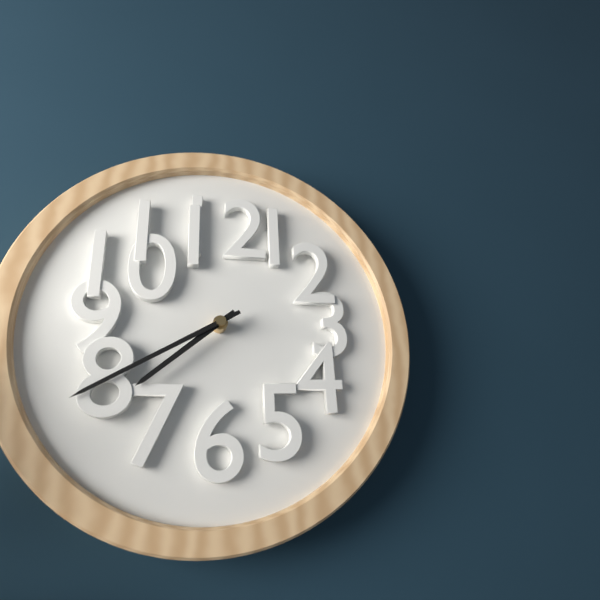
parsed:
7:40
